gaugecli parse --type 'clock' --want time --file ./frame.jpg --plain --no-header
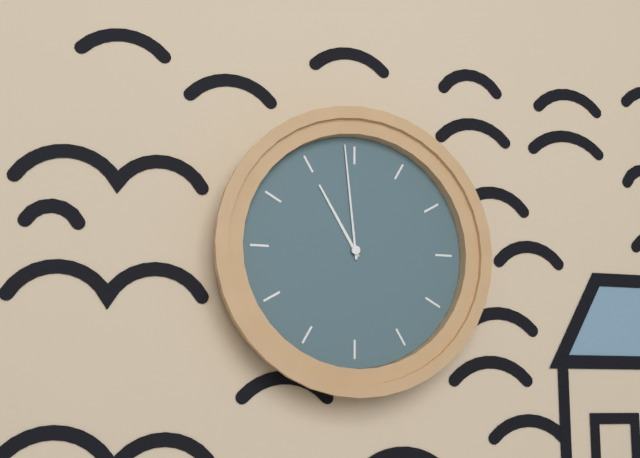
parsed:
10:59
